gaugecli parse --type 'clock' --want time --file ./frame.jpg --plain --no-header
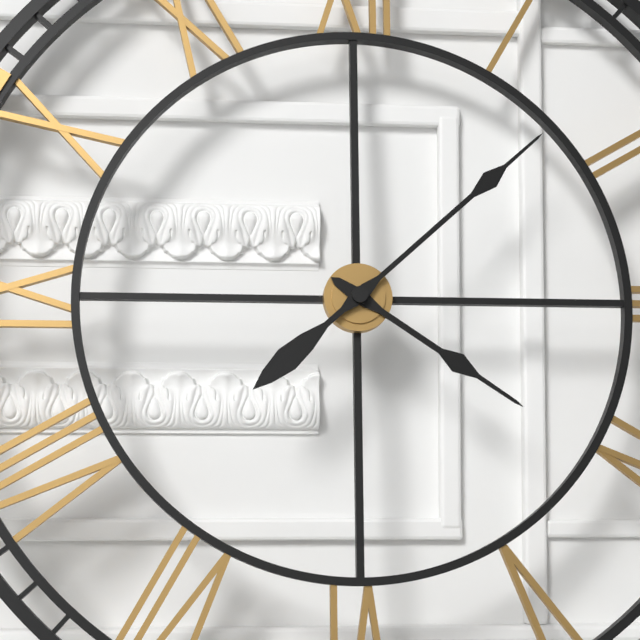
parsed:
4:08
